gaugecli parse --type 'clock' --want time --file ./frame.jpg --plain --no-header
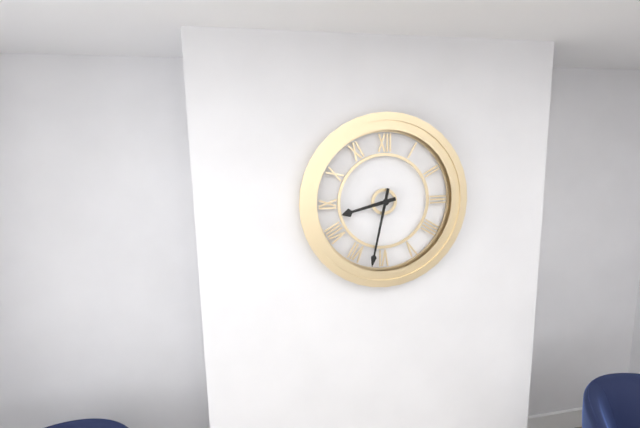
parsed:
8:32
